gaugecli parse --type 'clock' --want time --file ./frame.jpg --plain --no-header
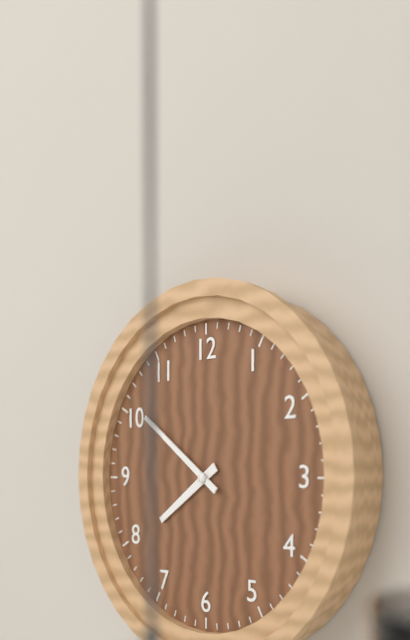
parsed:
7:51
